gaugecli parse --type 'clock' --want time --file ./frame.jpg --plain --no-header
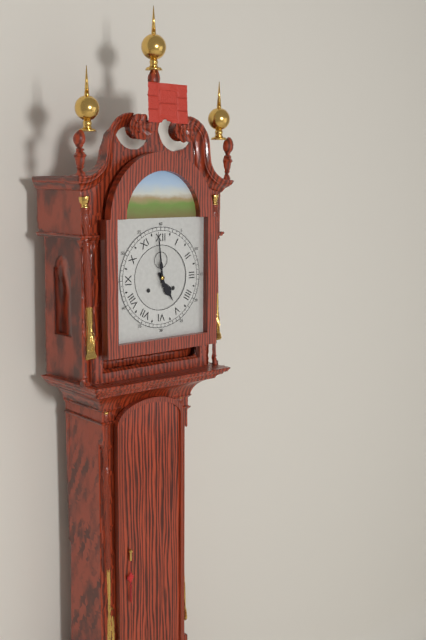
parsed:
4:59
